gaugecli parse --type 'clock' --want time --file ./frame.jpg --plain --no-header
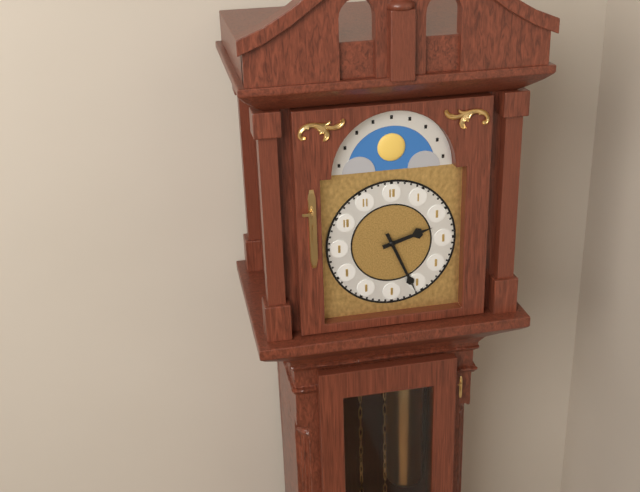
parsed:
2:26
